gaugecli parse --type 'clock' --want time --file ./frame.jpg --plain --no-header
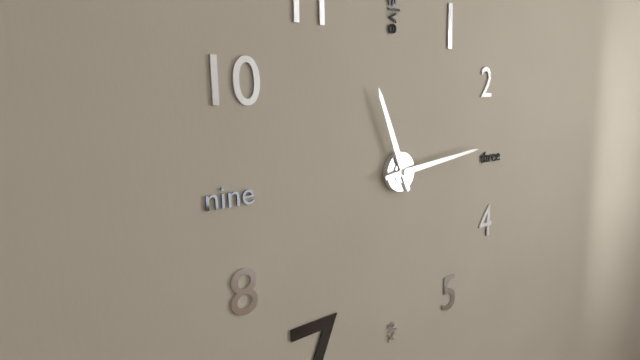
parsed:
11:14
